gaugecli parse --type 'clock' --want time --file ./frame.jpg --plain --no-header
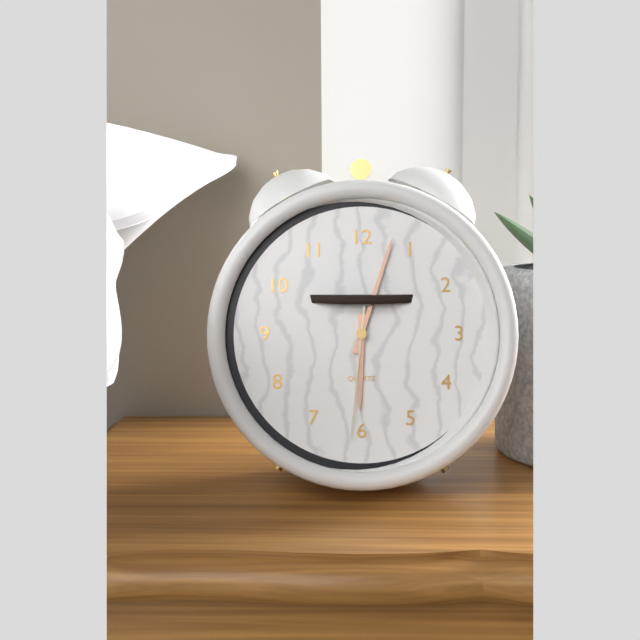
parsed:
6:03:31
